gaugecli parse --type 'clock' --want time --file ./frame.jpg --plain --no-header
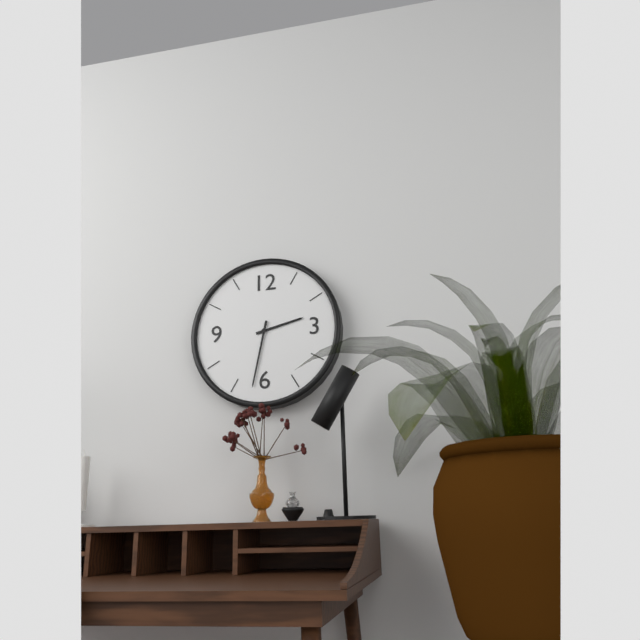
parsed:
2:32
